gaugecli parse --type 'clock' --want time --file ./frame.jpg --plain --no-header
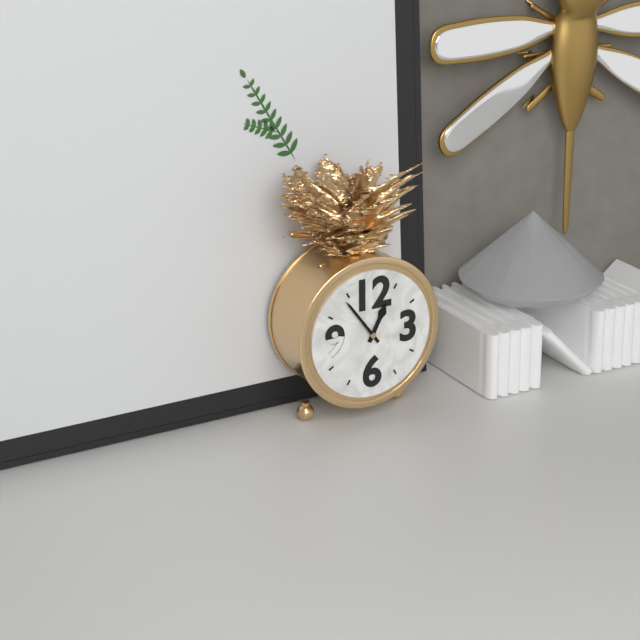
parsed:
12:54
